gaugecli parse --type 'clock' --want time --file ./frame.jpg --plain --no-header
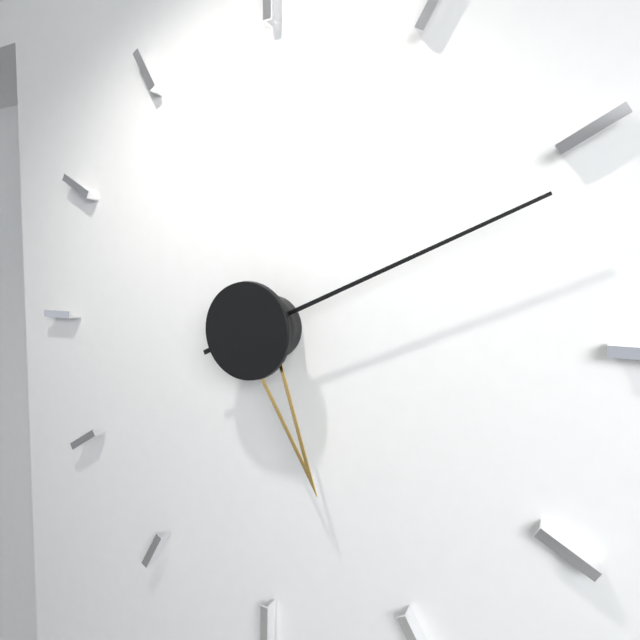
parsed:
5:11
